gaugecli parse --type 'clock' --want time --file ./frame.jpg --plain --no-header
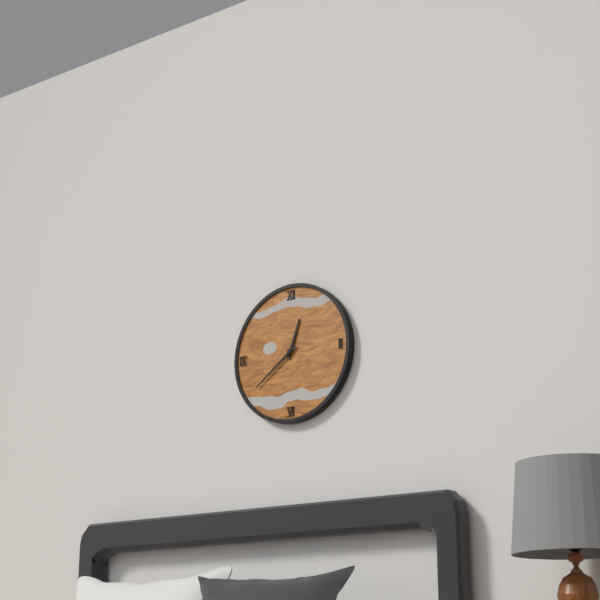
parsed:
12:39
